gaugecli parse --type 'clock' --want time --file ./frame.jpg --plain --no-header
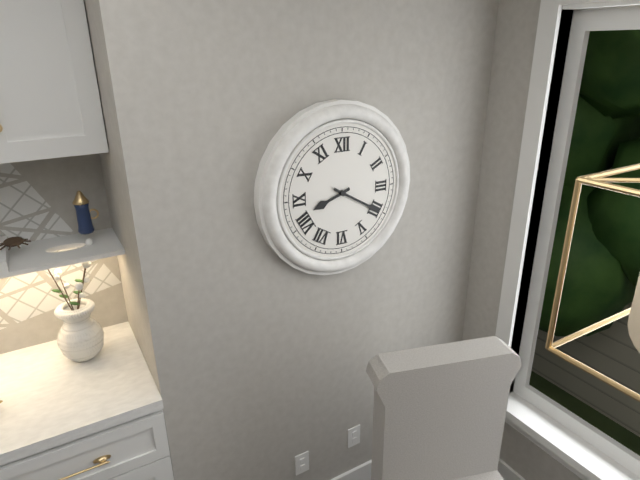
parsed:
8:20
